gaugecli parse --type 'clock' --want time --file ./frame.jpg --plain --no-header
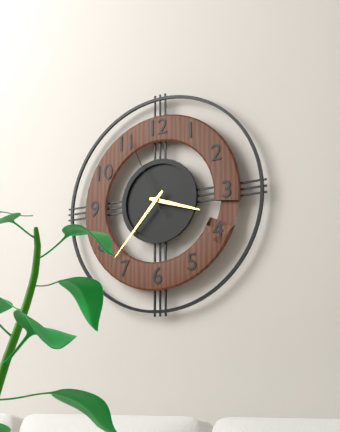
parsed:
3:37:56
